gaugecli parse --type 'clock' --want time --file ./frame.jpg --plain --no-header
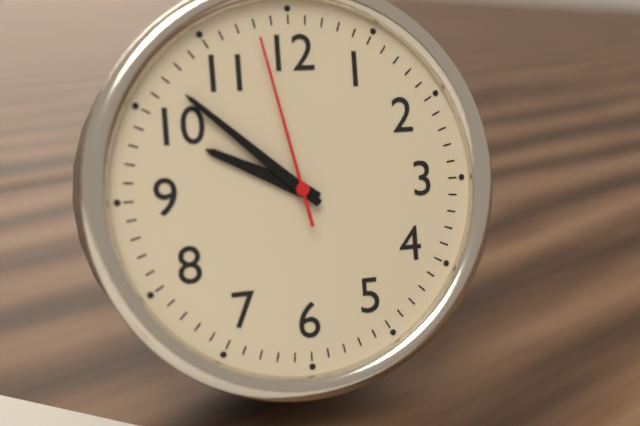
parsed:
9:52:58
